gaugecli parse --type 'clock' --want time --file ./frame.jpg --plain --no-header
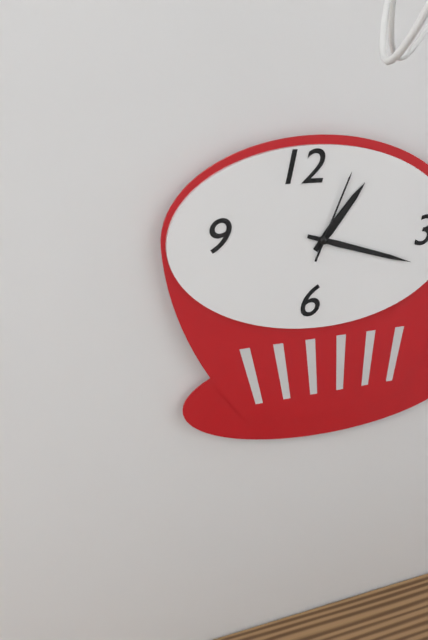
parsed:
1:18:04
